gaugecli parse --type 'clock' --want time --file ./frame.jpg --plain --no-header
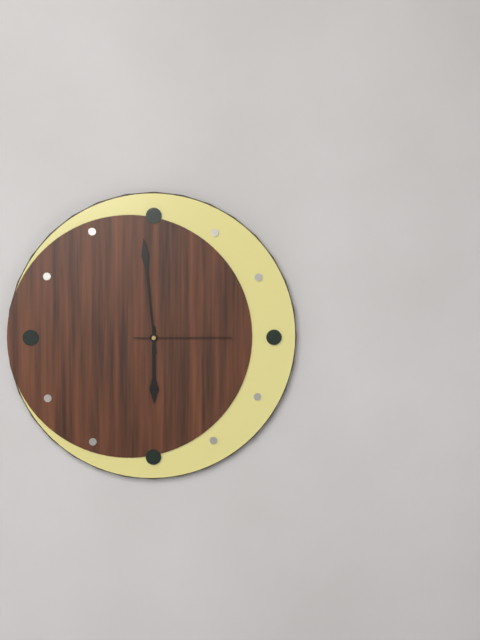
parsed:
5:59:15
